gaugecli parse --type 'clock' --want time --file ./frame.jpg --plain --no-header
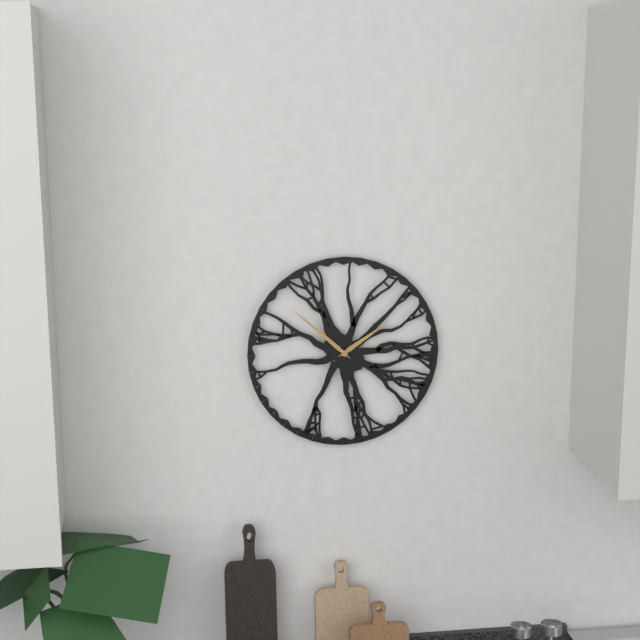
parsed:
1:52
